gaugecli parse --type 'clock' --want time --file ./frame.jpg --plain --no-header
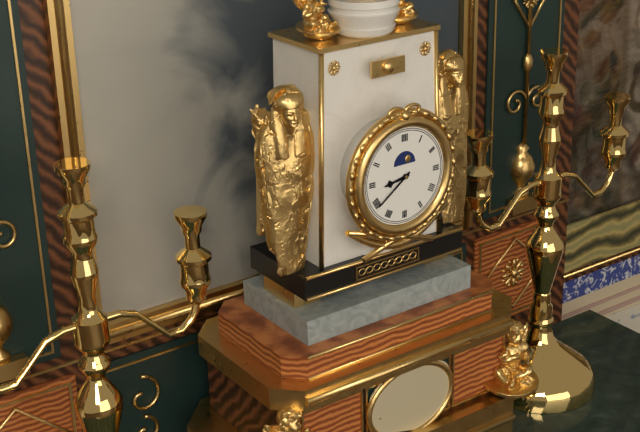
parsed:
8:39
